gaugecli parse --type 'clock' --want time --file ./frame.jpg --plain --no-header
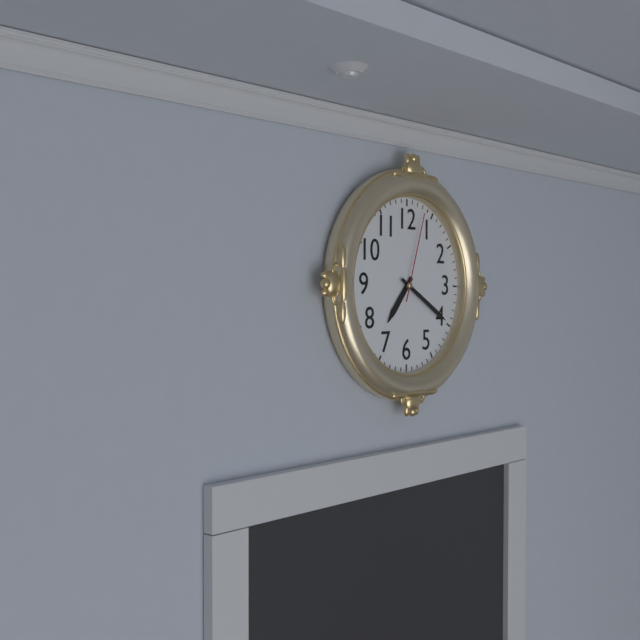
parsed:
7:20:03
